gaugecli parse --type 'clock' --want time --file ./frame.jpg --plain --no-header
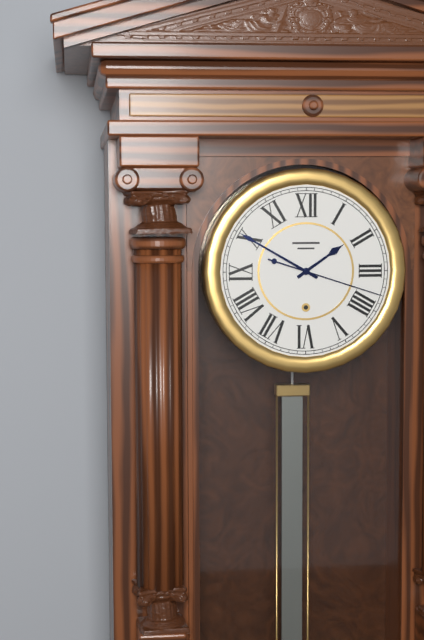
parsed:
1:50:18
